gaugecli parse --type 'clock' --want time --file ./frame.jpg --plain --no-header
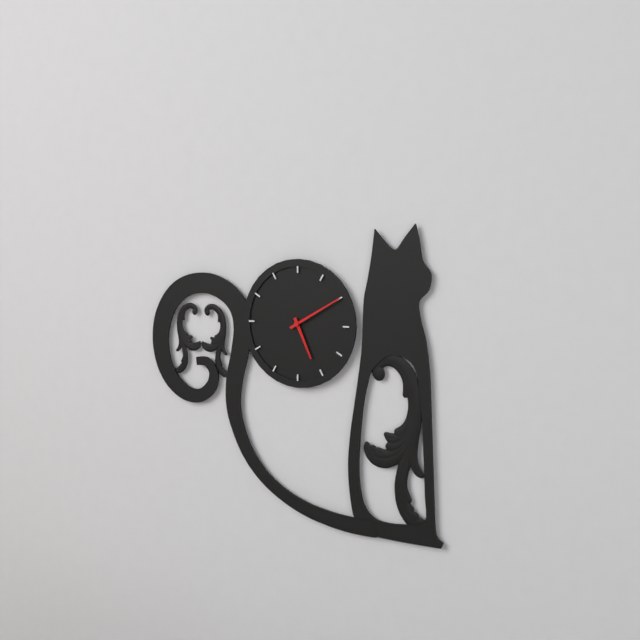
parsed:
5:10
